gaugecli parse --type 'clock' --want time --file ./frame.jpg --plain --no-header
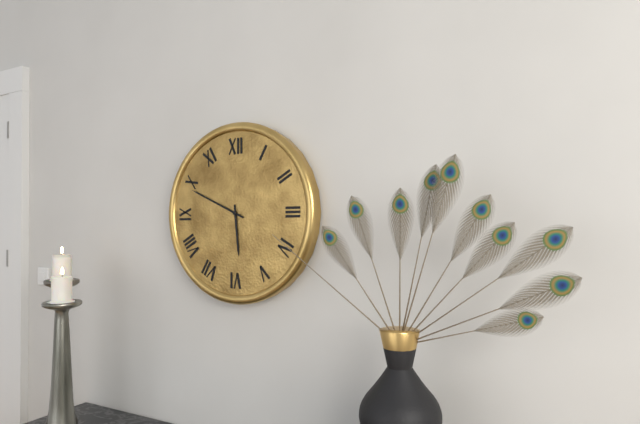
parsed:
5:49
